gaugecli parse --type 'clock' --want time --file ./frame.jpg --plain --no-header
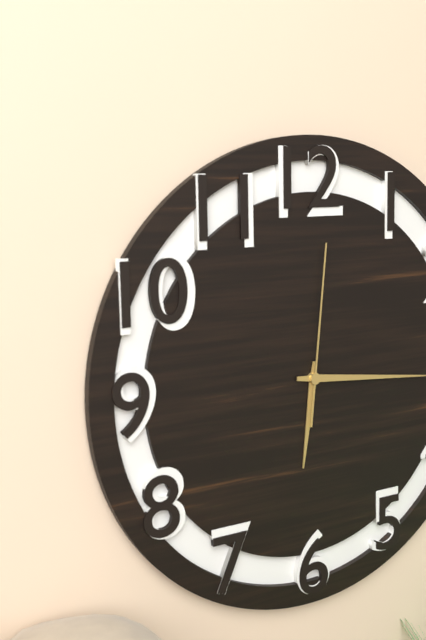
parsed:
6:16:01
